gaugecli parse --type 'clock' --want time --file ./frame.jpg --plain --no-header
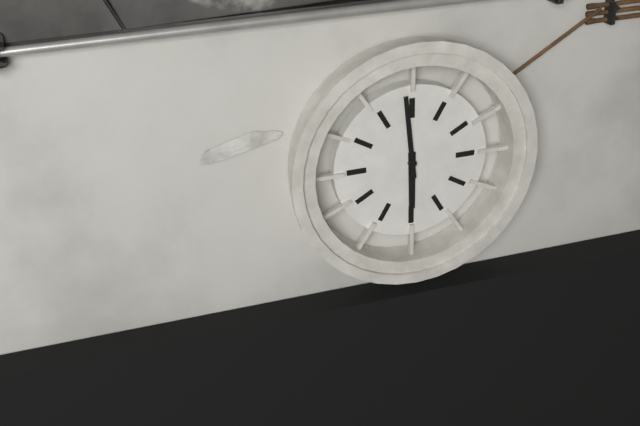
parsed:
5:59
